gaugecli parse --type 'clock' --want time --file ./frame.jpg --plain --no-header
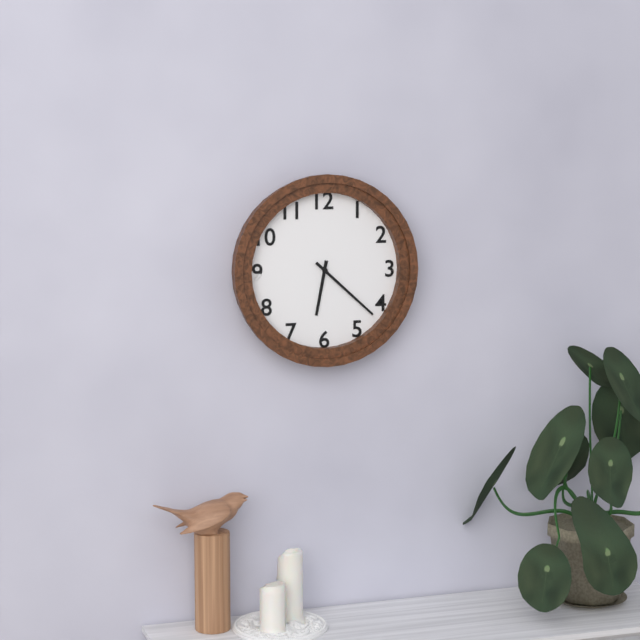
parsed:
6:22
